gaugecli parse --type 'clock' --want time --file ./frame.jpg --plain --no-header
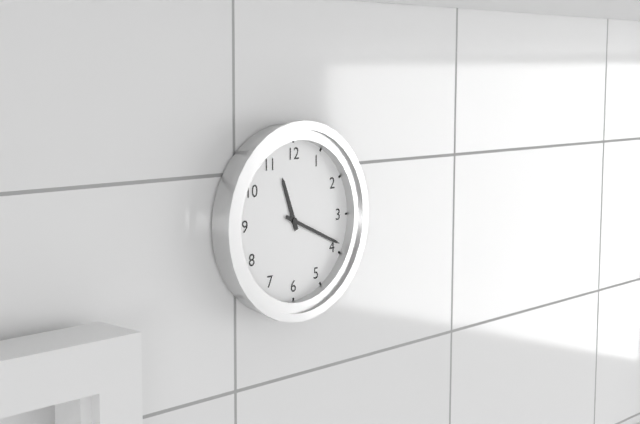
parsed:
11:19
